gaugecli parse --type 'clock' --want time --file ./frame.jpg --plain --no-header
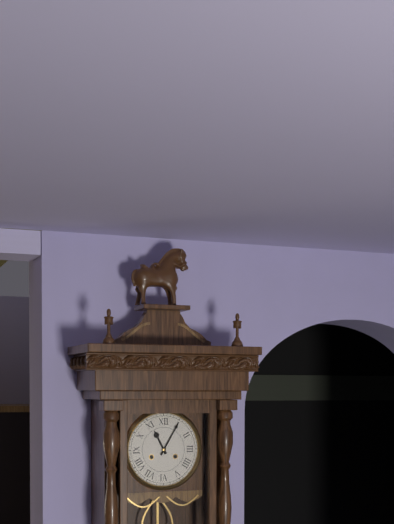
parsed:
11:05
